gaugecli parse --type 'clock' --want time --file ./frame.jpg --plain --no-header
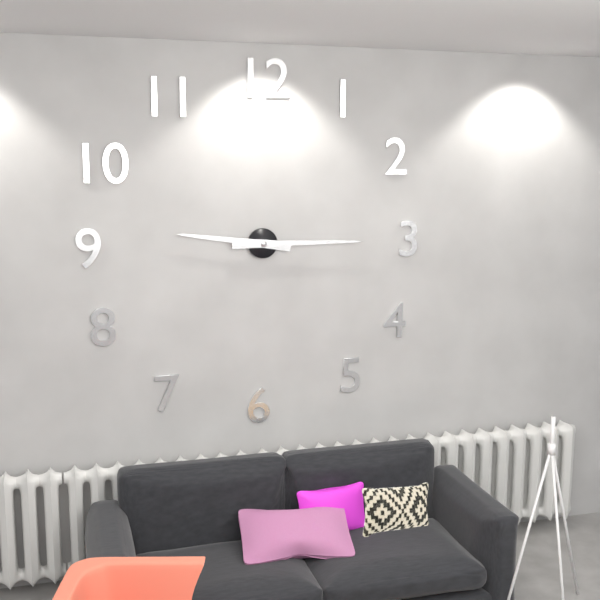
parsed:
9:15
